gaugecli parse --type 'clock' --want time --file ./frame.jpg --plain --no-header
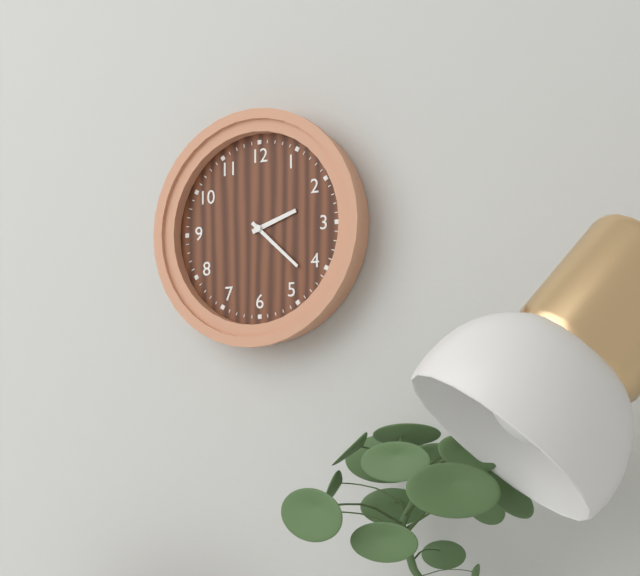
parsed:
2:22
